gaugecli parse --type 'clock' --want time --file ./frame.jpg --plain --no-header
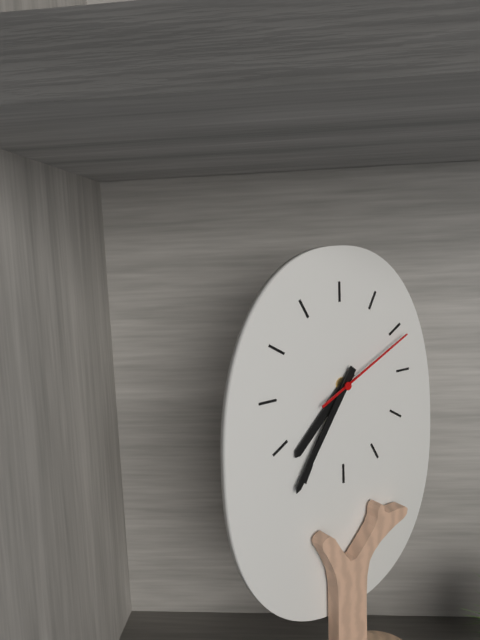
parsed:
7:36:11
